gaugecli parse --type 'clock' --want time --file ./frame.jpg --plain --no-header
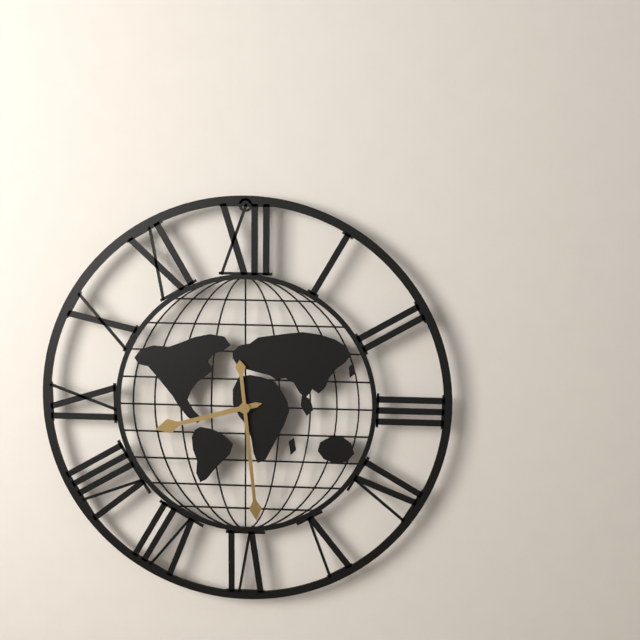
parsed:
8:29
